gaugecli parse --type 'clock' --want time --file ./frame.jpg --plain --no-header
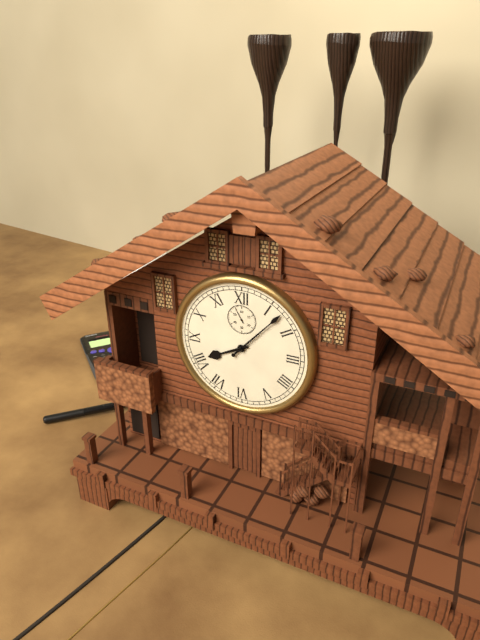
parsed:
8:07
